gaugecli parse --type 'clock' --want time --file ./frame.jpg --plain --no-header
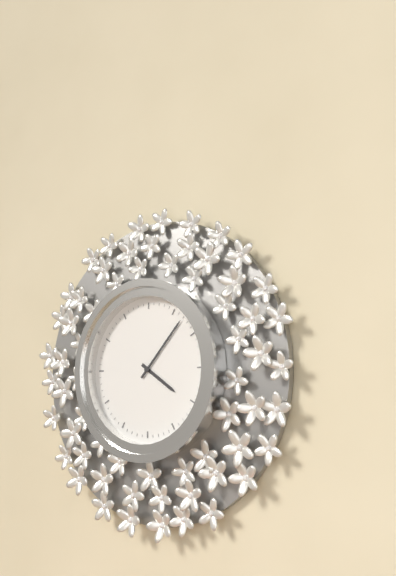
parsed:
4:07
